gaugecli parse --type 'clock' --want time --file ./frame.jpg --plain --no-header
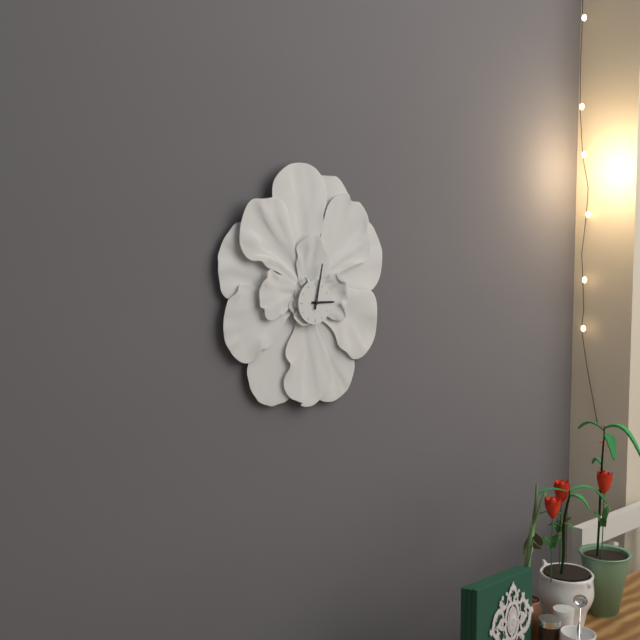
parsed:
3:02
